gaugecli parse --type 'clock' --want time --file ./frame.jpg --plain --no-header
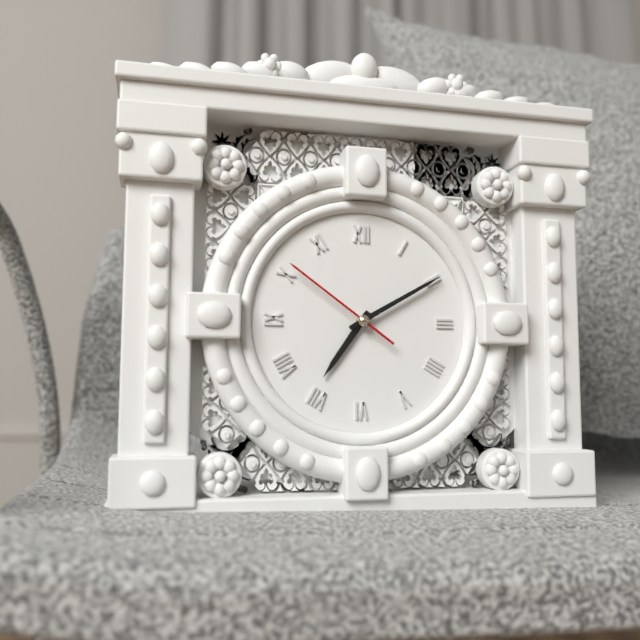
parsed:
7:10:51
